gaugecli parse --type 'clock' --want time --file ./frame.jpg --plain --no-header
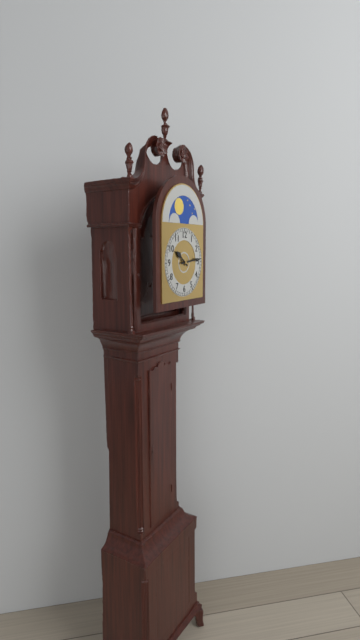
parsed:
10:14
